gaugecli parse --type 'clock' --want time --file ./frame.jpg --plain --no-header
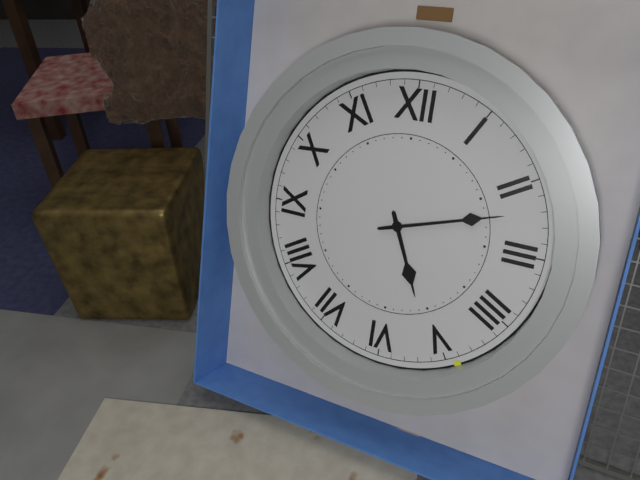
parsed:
5:12
